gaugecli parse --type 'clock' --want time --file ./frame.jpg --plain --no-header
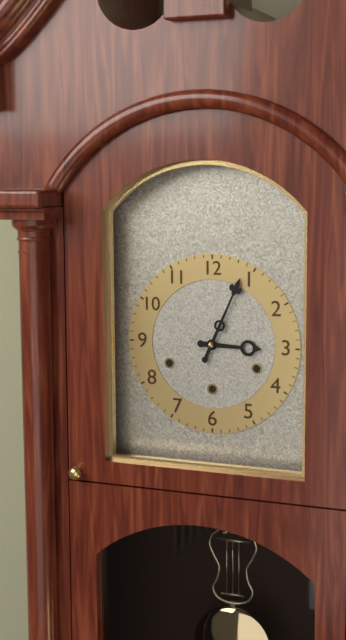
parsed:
3:04
